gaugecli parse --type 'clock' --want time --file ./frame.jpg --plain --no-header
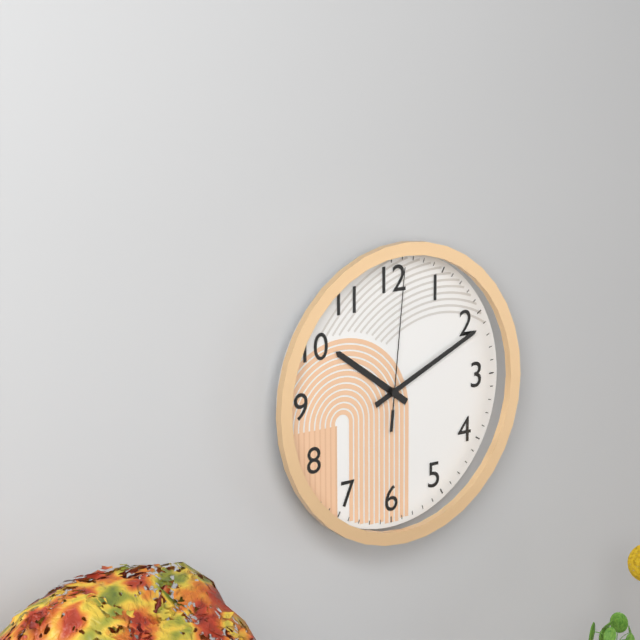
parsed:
10:11:01
